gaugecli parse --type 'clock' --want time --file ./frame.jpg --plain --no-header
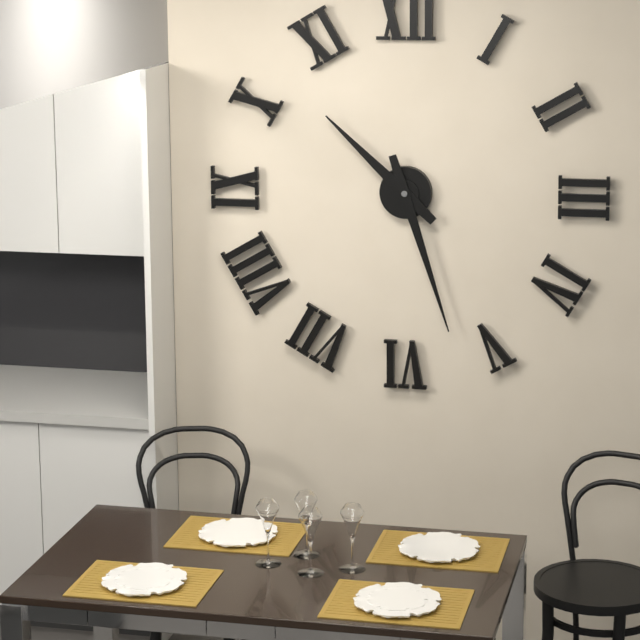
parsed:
10:27
